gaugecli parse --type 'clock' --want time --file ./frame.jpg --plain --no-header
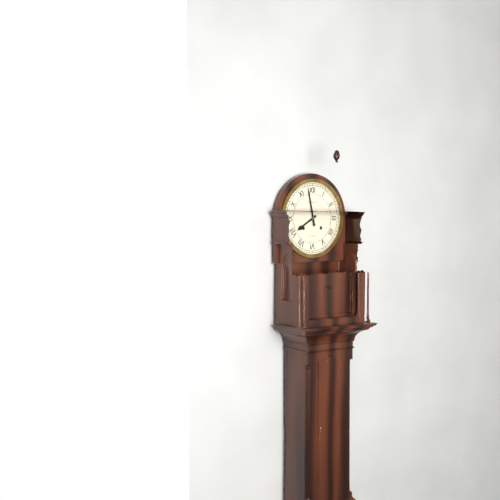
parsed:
7:58
